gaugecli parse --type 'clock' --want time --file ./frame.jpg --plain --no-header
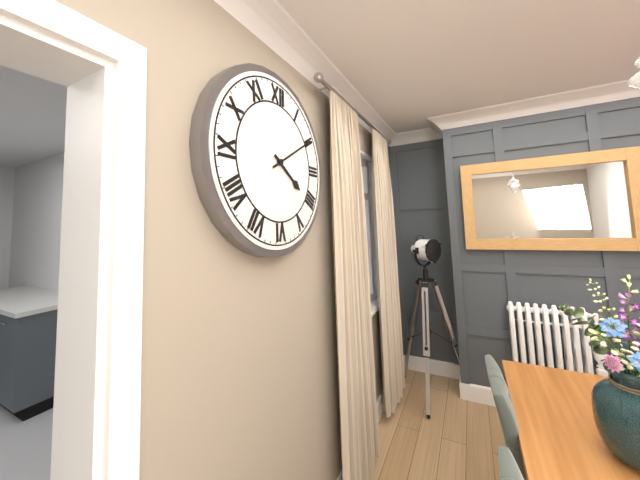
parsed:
4:10
